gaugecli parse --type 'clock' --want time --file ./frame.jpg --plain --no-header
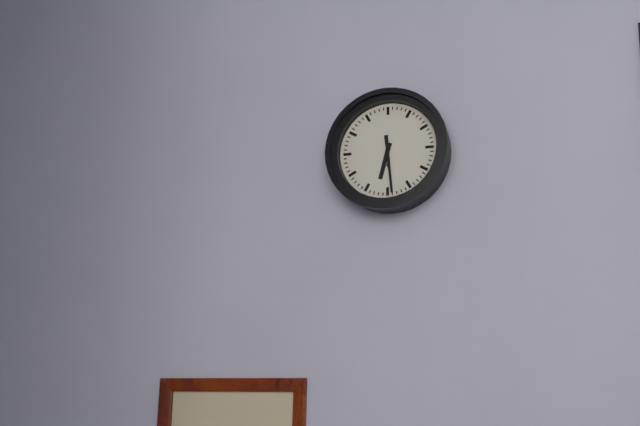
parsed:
6:29
